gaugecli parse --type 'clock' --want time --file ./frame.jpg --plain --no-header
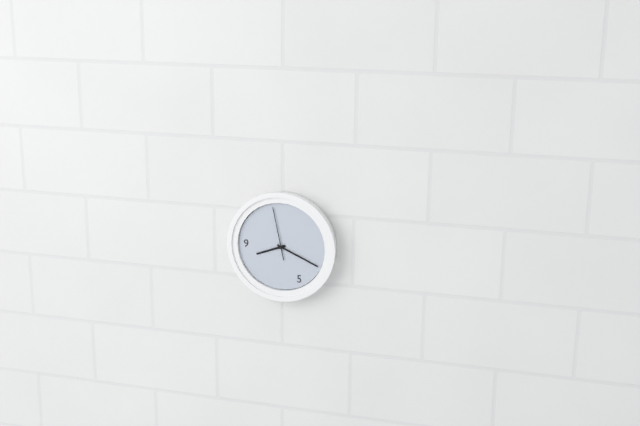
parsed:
8:19:58
